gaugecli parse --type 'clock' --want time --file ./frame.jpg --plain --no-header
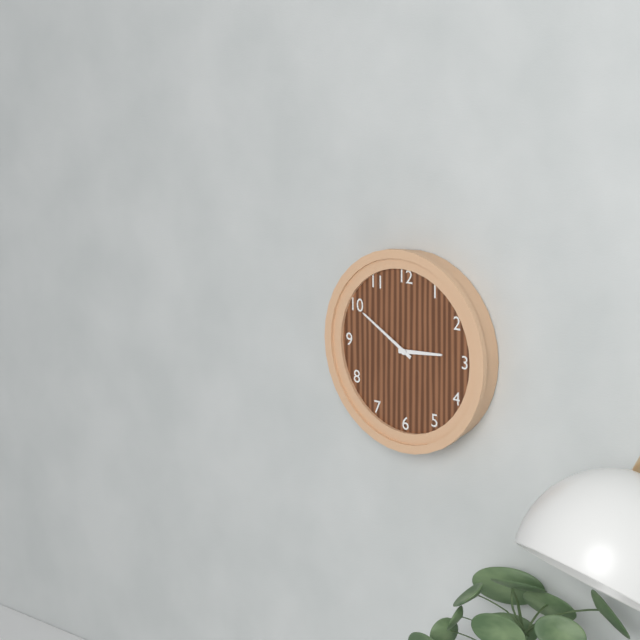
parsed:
2:50
